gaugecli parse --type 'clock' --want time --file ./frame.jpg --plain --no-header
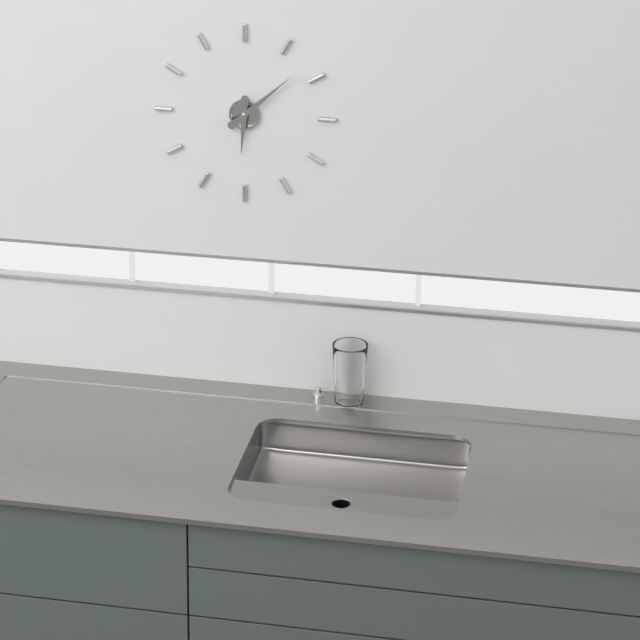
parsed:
6:08
